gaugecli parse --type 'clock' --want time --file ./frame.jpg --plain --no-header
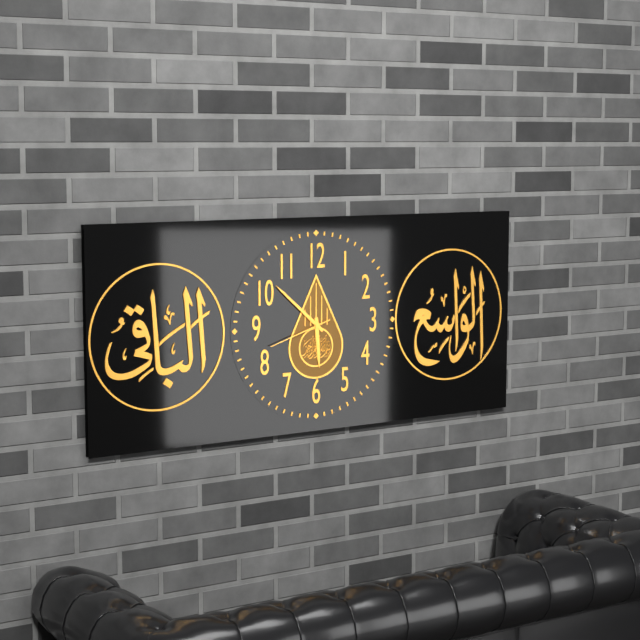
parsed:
5:52:42
